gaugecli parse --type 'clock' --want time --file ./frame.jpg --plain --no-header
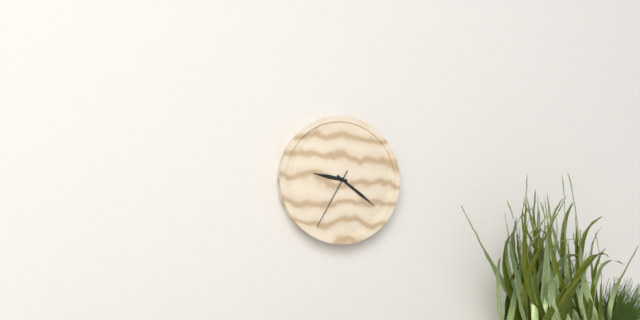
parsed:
9:21:35
